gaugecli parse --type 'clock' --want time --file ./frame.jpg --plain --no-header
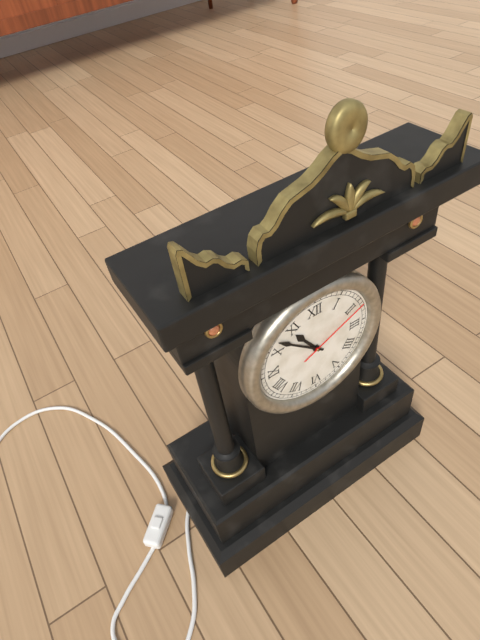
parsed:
10:52:11
